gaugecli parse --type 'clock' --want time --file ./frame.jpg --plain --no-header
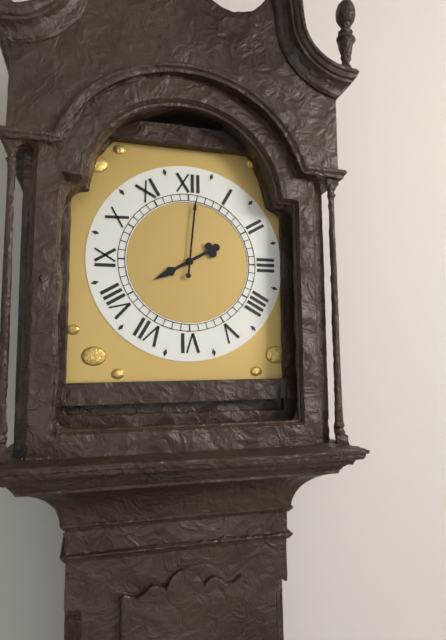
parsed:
8:01
